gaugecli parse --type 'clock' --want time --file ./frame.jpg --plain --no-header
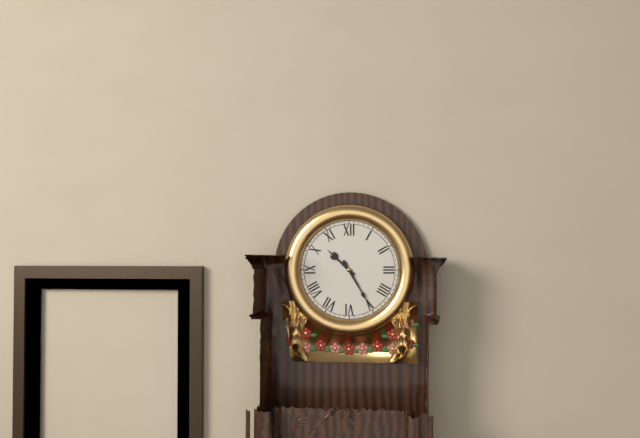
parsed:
10:25
